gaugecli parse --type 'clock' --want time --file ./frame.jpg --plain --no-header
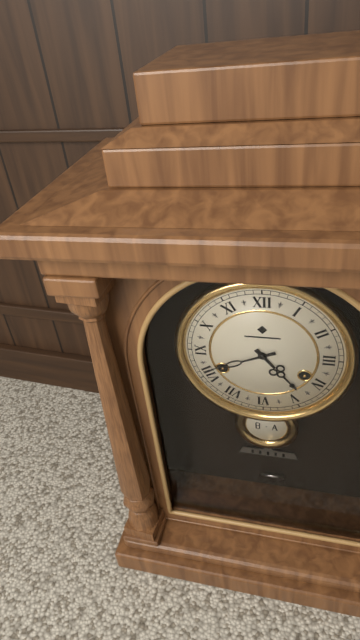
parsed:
4:41
